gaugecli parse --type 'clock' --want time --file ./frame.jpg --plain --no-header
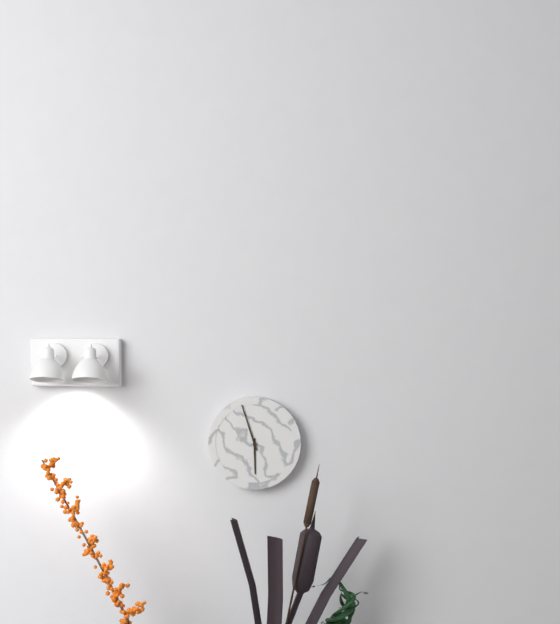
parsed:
5:57
